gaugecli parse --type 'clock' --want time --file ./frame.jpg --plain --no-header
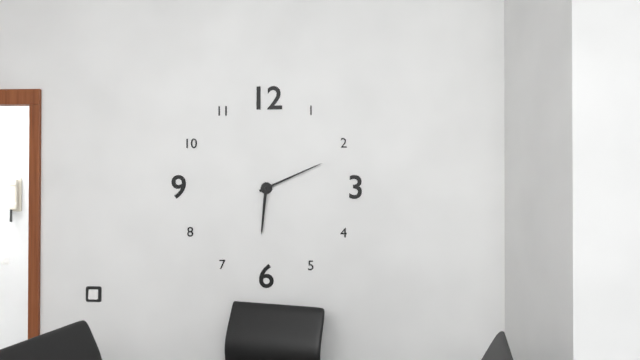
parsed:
6:11
